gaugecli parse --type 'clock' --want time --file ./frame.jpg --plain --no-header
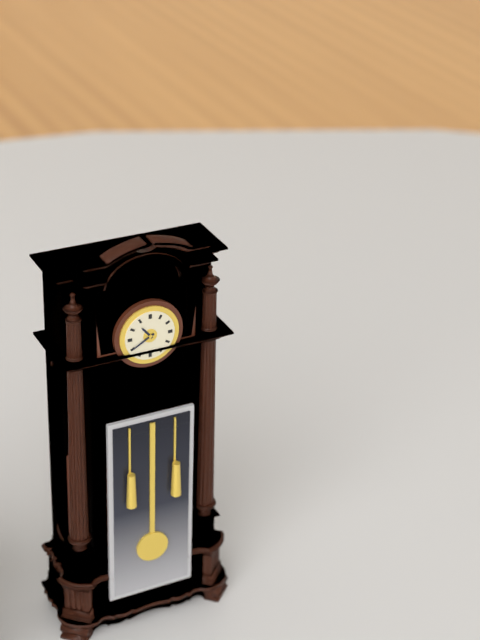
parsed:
10:40
